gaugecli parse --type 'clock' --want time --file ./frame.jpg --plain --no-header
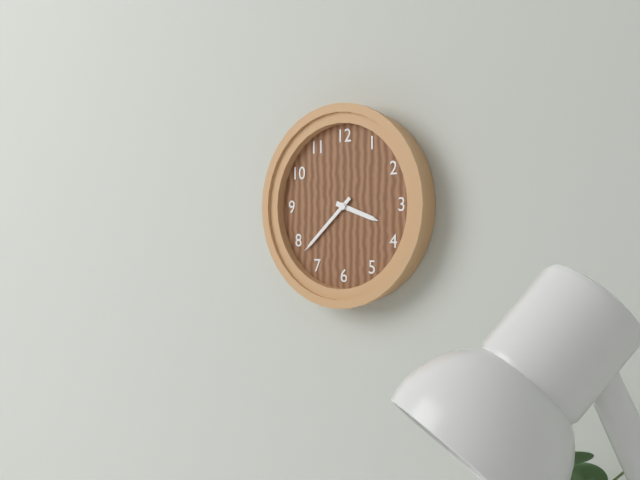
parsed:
3:38
